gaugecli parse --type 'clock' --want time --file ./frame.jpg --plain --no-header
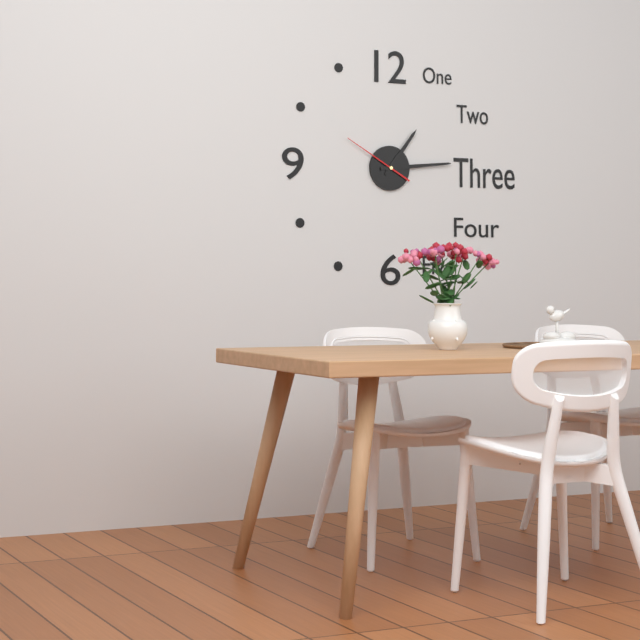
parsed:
1:14:50
